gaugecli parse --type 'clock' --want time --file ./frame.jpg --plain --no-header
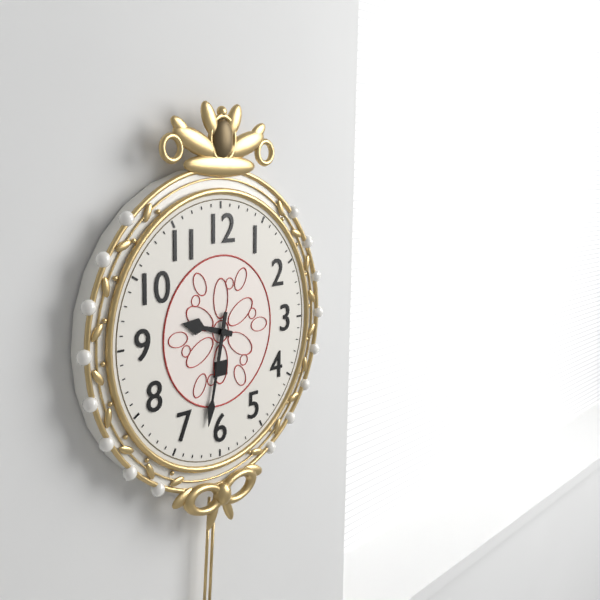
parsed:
9:32
